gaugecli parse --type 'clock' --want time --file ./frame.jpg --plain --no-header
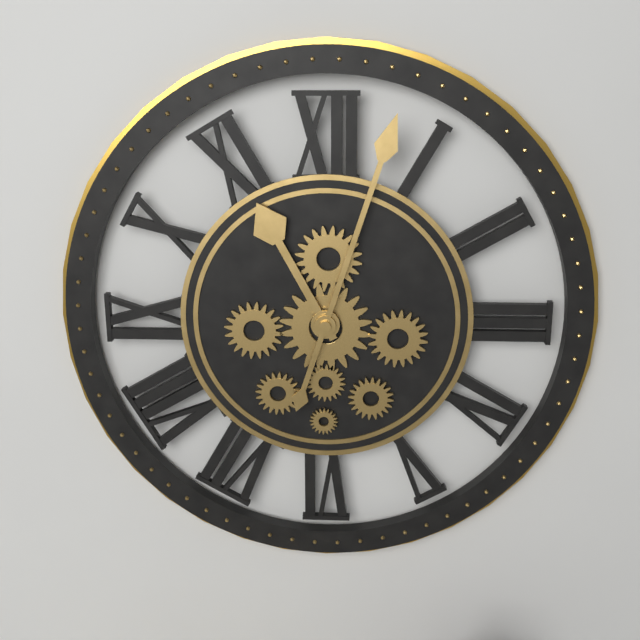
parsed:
11:03
